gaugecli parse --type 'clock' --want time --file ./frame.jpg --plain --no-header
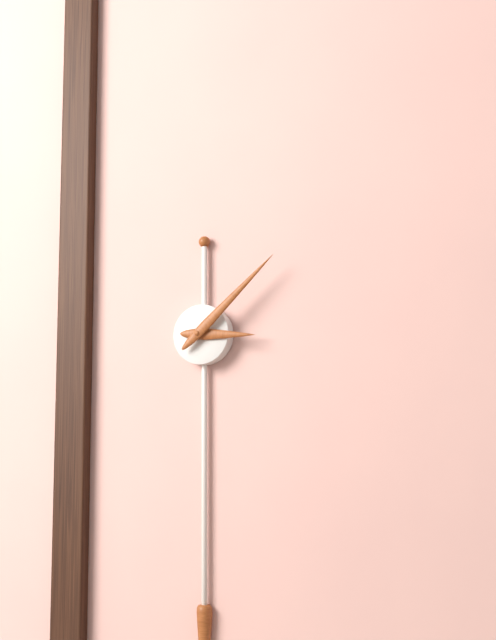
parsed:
3:08
